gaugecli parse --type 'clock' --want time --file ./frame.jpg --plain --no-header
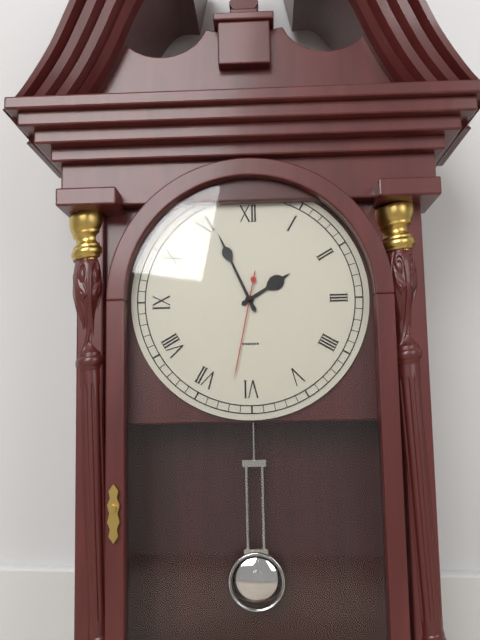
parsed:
1:56:32
